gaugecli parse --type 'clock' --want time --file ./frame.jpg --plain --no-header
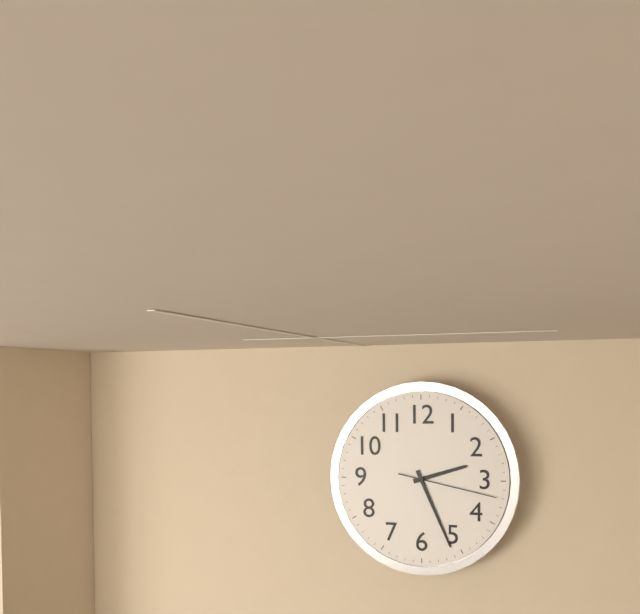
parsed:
2:26:17
